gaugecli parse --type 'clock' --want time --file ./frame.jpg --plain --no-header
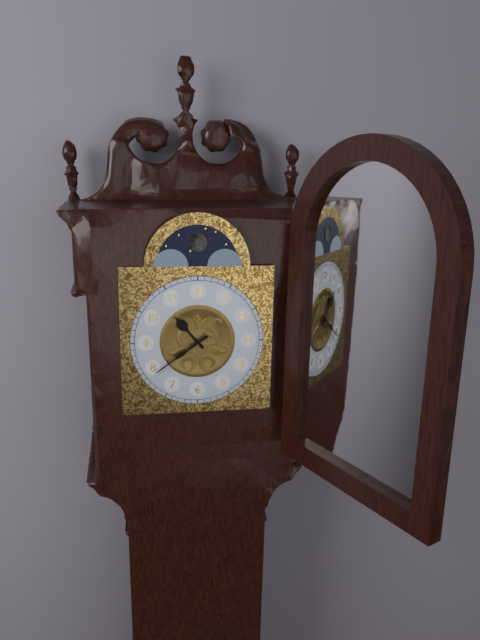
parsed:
10:39
